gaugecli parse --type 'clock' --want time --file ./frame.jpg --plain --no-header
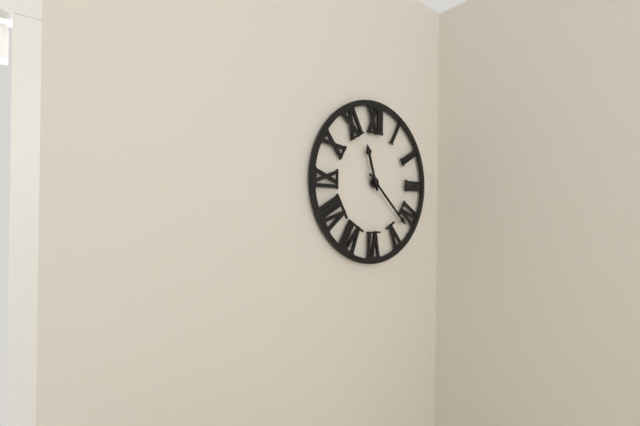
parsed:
11:22
